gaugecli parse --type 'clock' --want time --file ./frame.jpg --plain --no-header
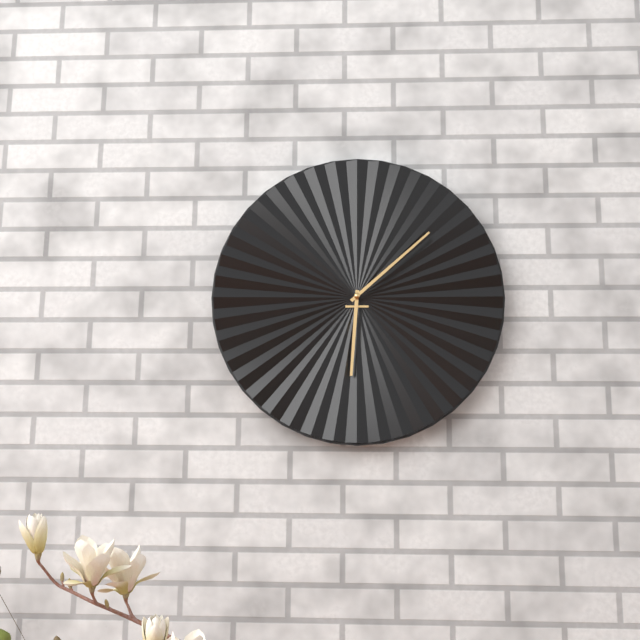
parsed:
6:08
